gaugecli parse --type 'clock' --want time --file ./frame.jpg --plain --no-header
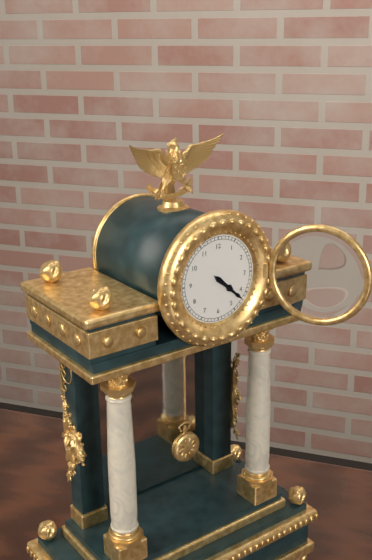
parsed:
4:22
